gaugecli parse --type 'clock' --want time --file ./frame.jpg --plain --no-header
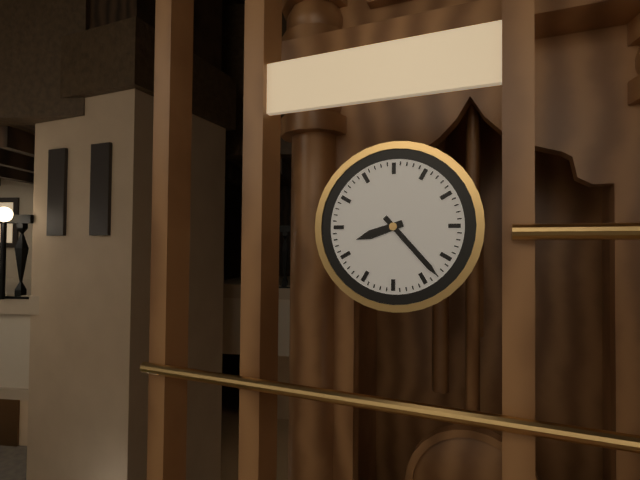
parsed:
8:23
